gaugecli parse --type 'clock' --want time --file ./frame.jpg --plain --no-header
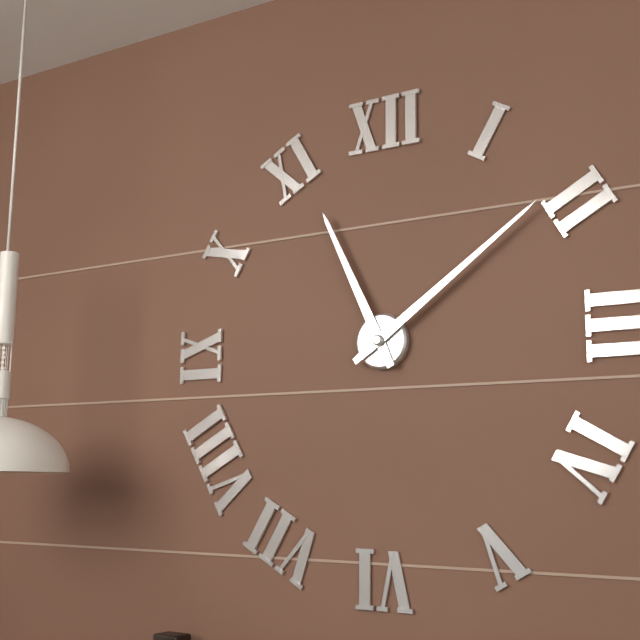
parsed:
11:09
